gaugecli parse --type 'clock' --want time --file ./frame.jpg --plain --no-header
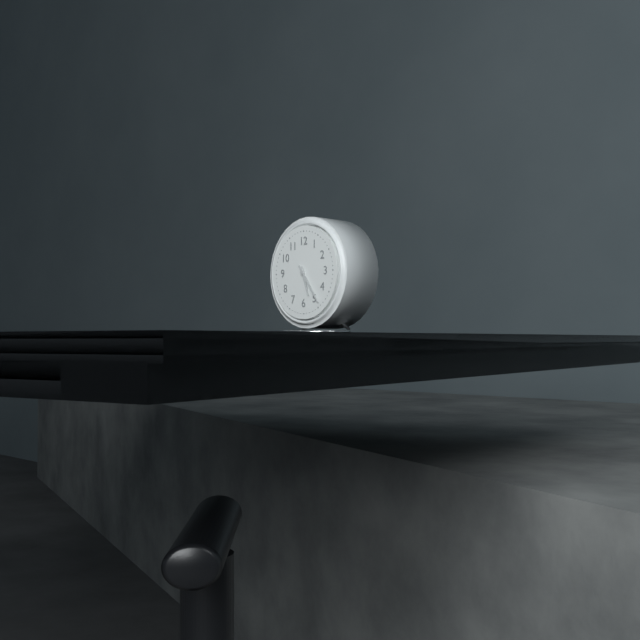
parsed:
5:24
